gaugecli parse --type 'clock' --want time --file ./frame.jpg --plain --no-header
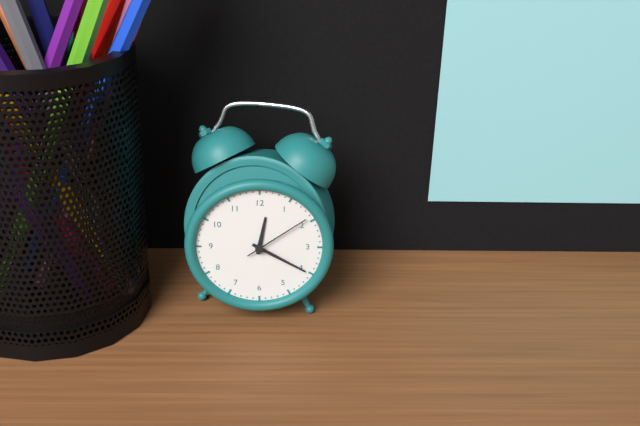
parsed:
12:20:09
